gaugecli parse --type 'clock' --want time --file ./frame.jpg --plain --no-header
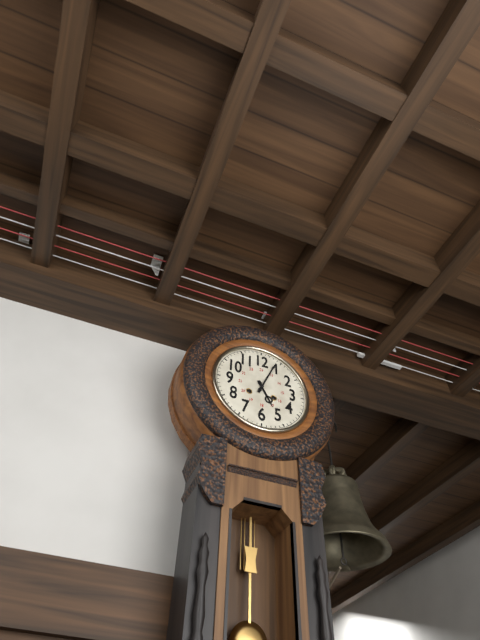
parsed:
5:04
